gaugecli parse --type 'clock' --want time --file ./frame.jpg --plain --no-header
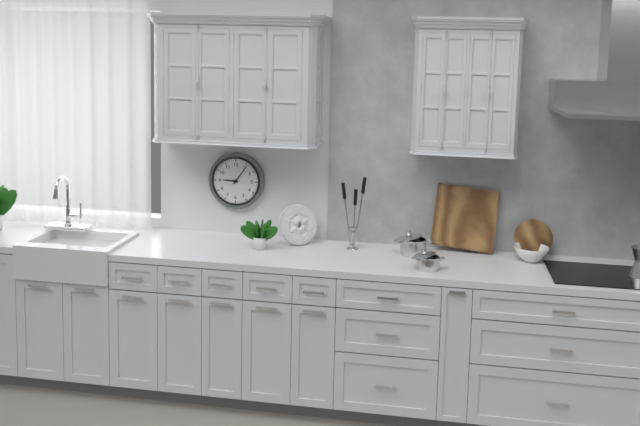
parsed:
9:06
